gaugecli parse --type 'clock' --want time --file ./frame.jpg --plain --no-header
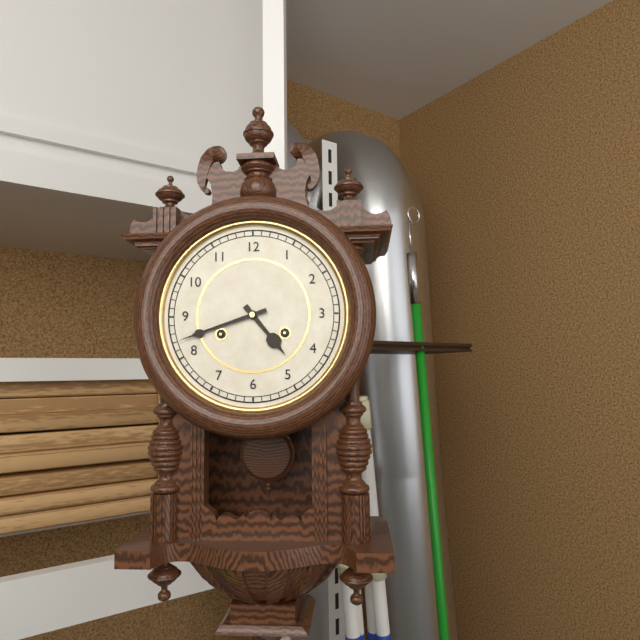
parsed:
4:42
